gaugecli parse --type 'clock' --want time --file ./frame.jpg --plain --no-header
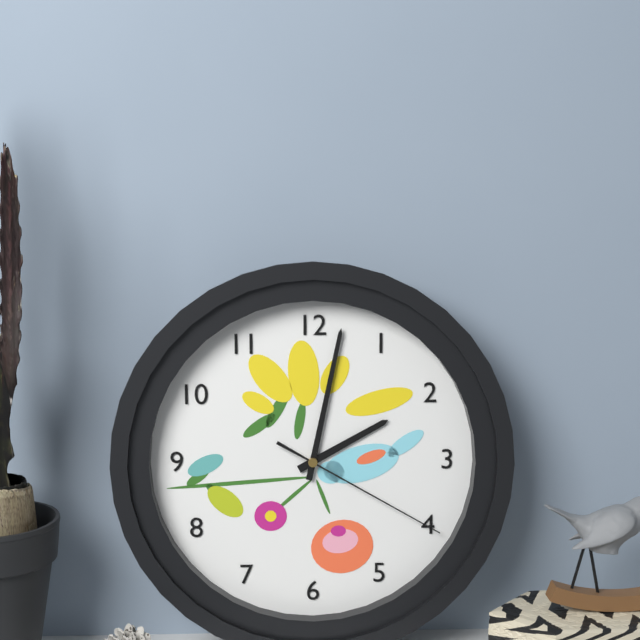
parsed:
2:02:20
